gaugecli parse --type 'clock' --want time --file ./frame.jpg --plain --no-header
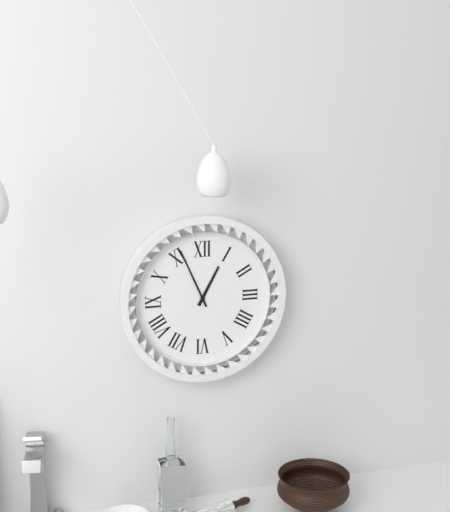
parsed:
12:56
